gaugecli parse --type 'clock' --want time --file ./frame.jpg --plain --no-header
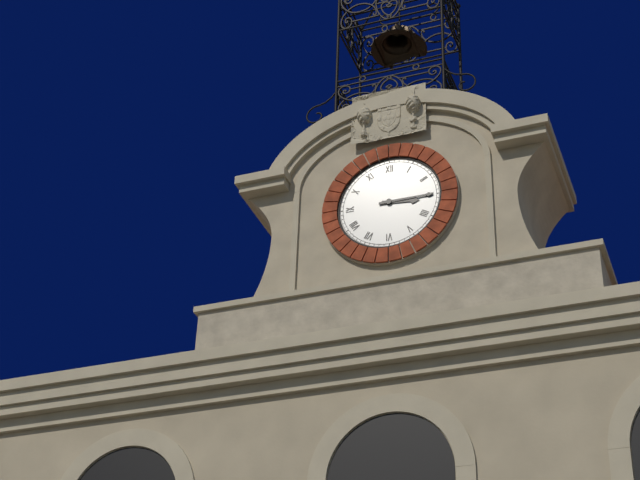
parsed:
3:15
